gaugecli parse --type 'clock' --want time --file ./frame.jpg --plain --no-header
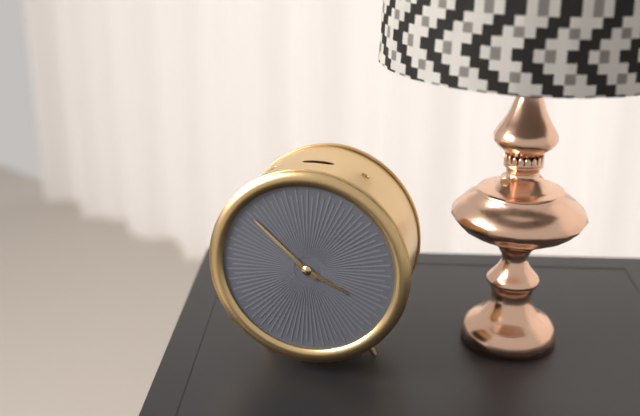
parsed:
3:52
